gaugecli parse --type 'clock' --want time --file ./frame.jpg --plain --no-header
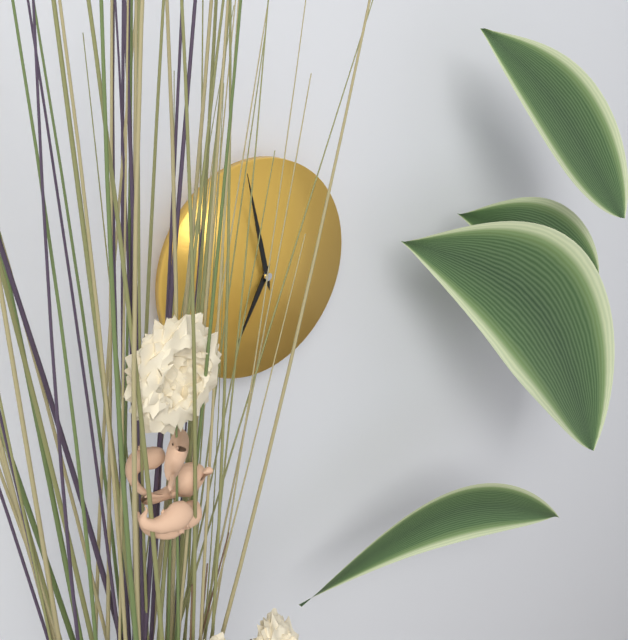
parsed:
6:58
